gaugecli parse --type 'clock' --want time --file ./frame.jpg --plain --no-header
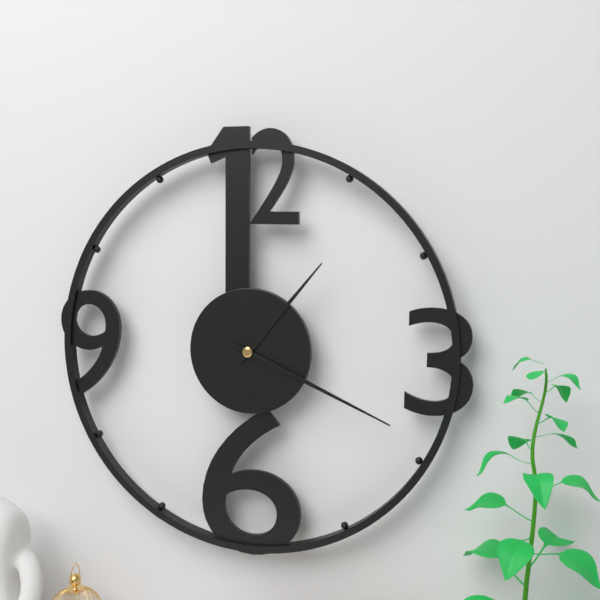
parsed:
1:19
